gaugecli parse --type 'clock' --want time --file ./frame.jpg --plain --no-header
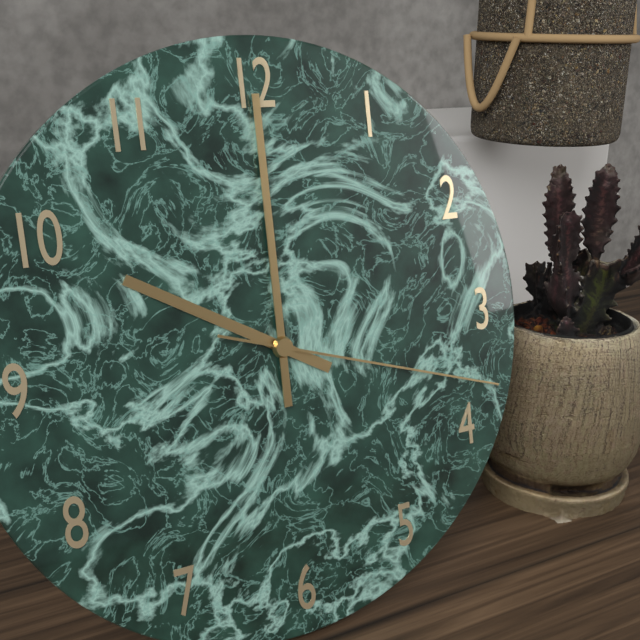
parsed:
10:00:18
